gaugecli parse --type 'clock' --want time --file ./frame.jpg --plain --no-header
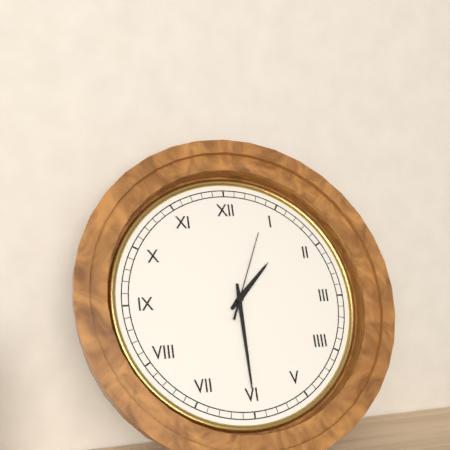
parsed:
1:30:04
